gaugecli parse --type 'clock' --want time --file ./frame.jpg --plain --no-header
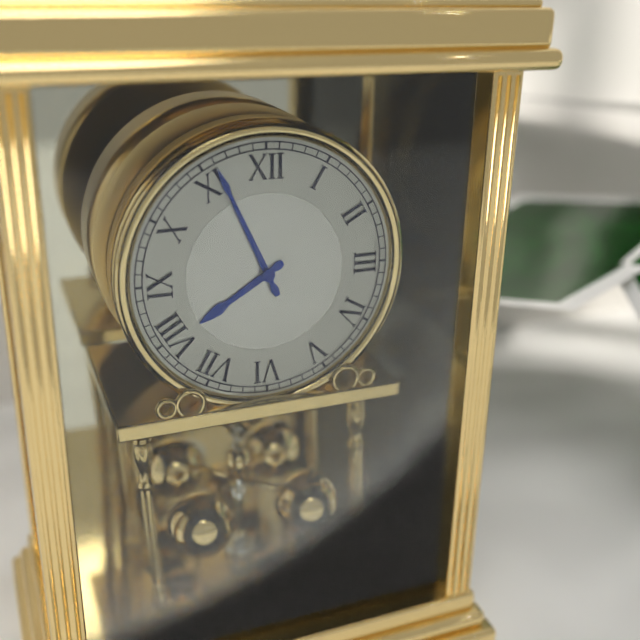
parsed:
7:56
